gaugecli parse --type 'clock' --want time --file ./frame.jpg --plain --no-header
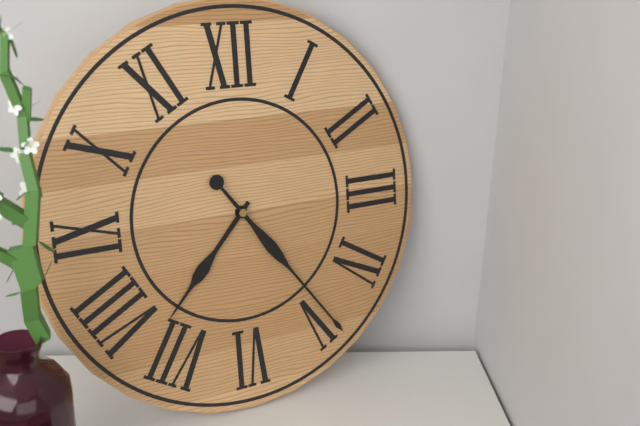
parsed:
7:24
